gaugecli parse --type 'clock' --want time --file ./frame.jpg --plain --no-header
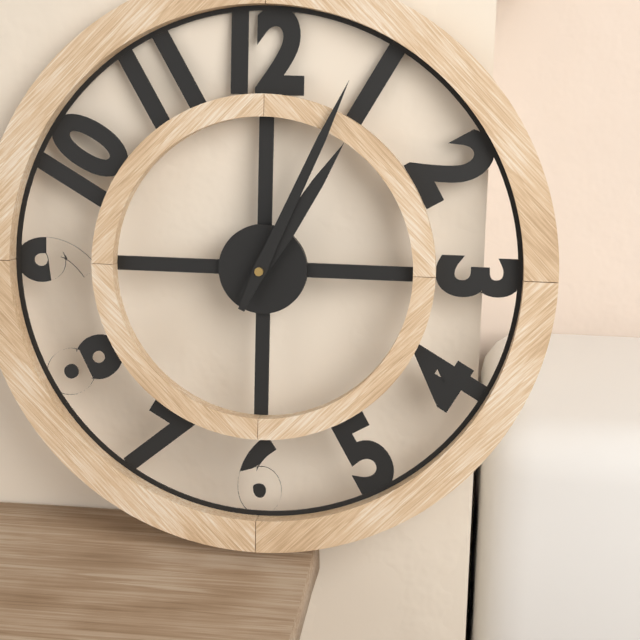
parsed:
1:04
